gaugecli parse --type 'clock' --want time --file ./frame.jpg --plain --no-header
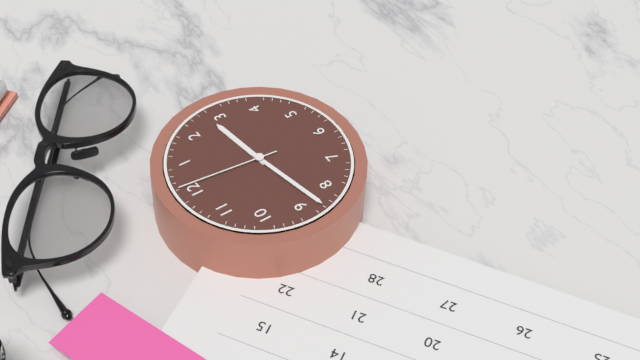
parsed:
2:43:01
